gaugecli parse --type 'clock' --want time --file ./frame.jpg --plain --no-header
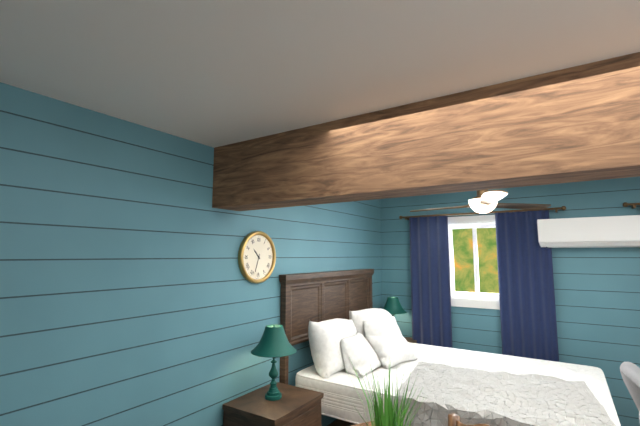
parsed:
10:33
